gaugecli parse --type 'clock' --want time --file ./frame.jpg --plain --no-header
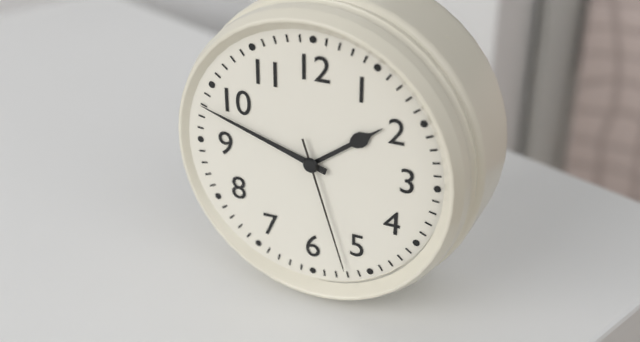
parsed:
1:48:27
